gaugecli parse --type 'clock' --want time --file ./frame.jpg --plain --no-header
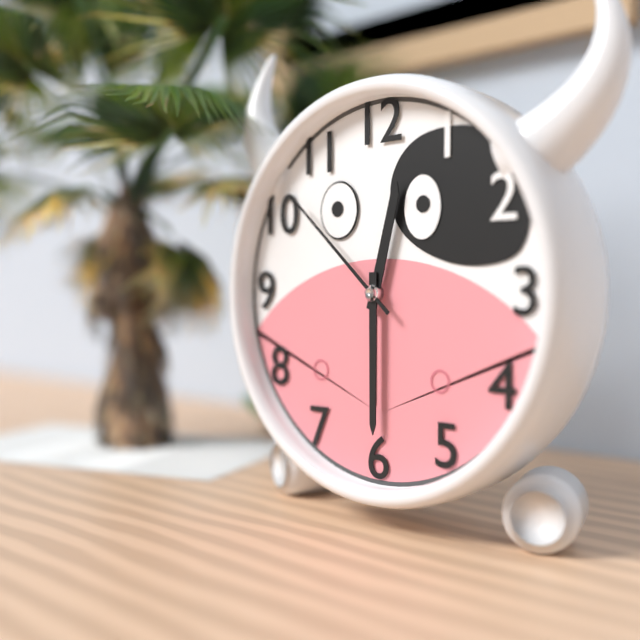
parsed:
12:30:52
